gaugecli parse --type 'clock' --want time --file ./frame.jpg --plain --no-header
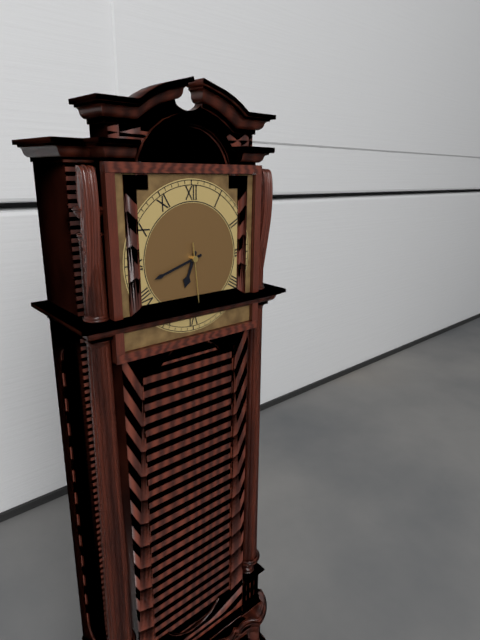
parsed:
6:42:29
